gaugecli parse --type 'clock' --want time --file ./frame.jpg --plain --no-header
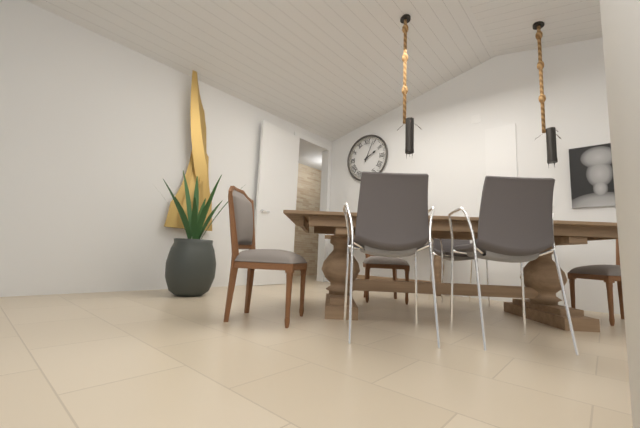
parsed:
2:04
